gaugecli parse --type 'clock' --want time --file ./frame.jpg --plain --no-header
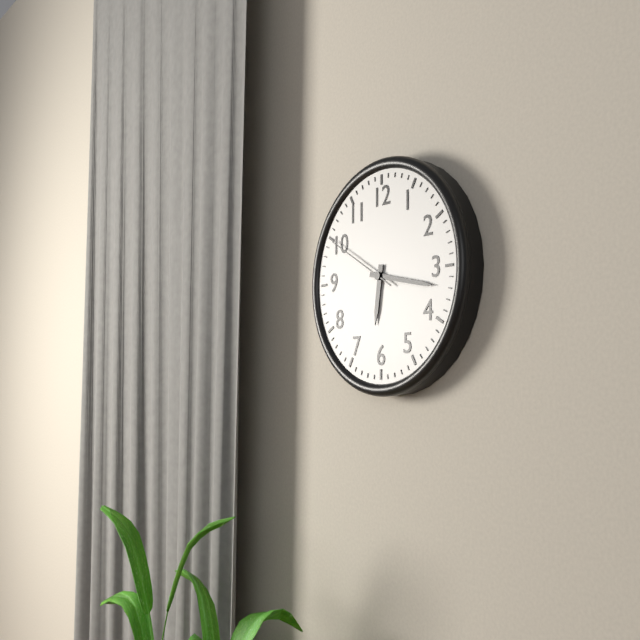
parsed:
6:17:50
